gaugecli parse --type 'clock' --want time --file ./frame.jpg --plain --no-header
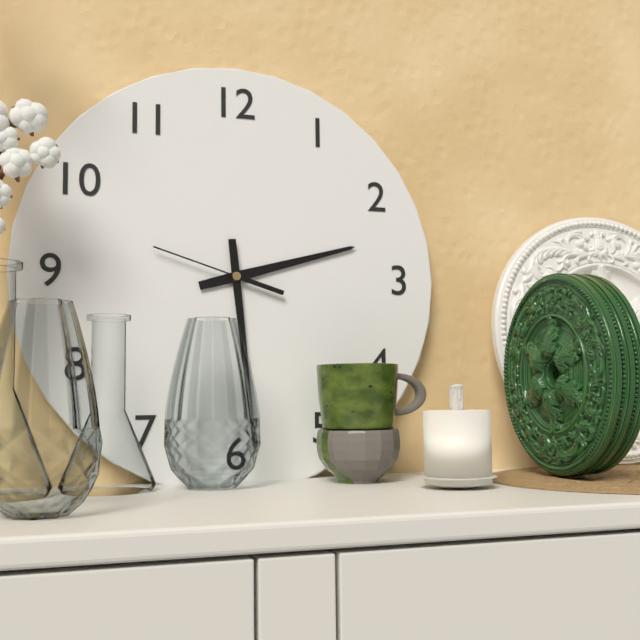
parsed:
2:29:48
